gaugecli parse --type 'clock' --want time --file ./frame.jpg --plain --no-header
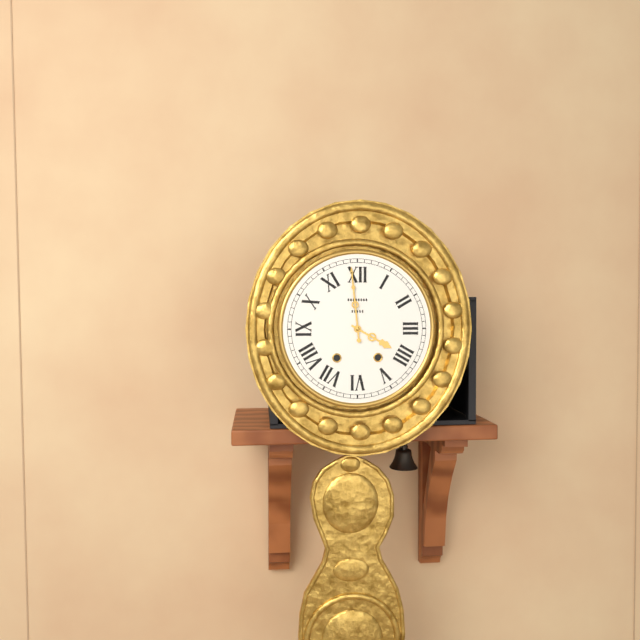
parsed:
3:59
